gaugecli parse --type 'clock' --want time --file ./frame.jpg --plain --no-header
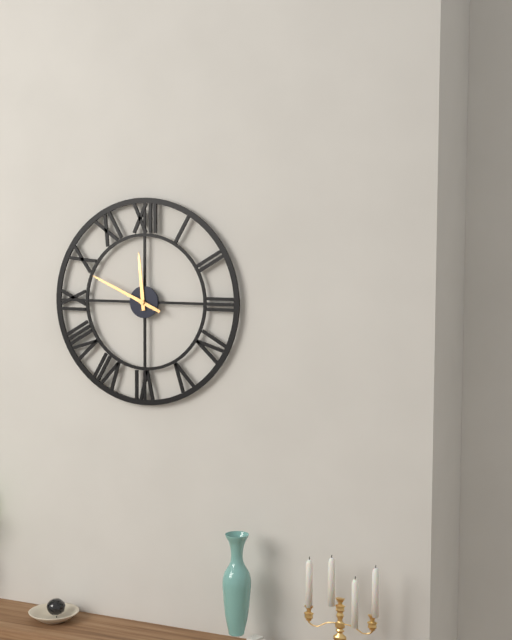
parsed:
11:49
